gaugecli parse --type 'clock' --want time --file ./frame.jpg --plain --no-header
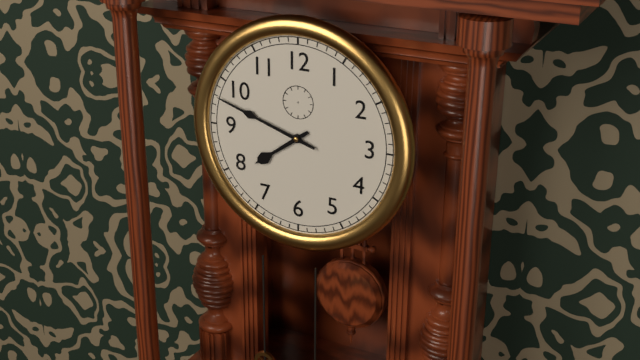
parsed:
7:48
